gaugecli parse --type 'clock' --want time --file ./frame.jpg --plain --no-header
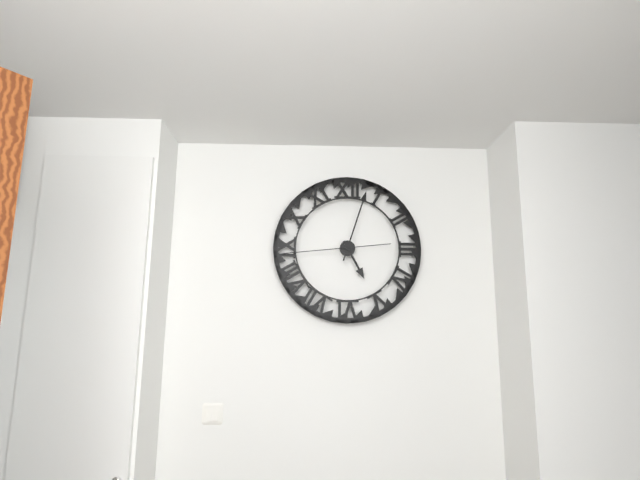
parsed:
5:03:44
